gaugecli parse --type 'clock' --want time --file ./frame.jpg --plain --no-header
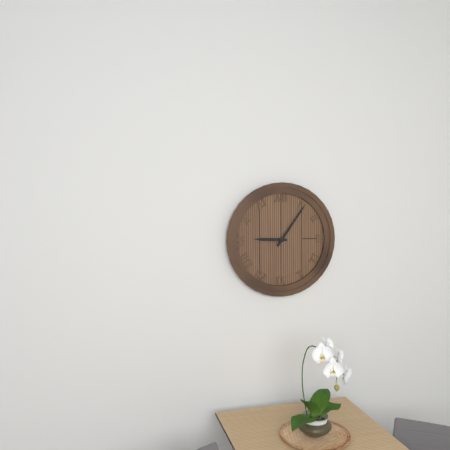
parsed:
9:06
